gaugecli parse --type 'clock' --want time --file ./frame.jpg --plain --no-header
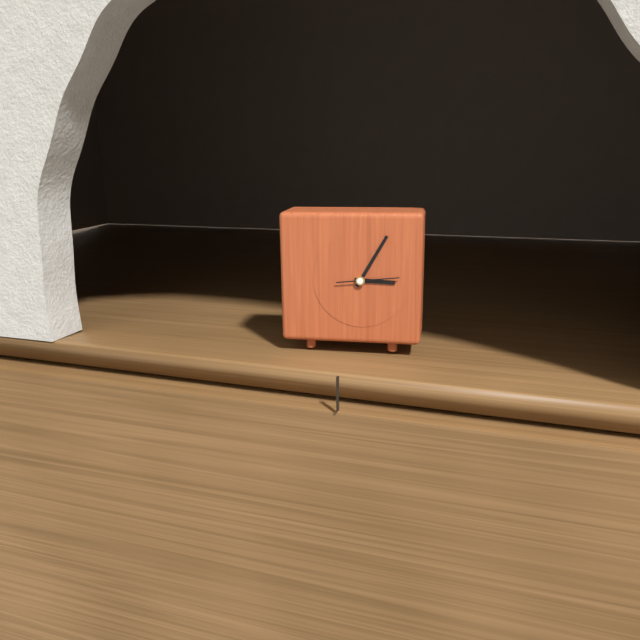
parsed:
3:05
